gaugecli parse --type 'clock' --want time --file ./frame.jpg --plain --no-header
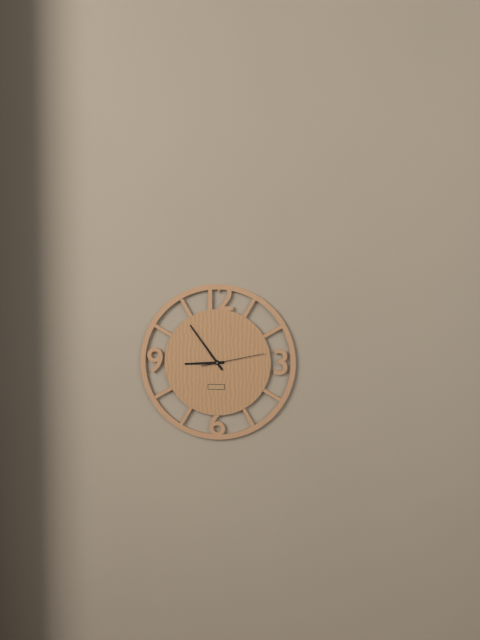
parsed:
8:54:13
